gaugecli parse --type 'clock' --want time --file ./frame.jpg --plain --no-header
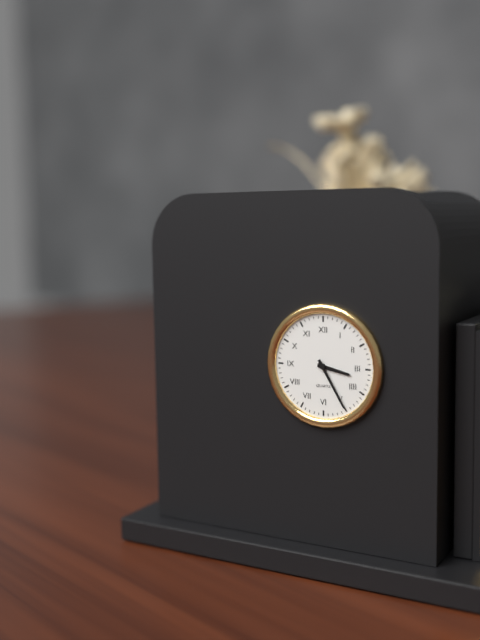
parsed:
3:25
